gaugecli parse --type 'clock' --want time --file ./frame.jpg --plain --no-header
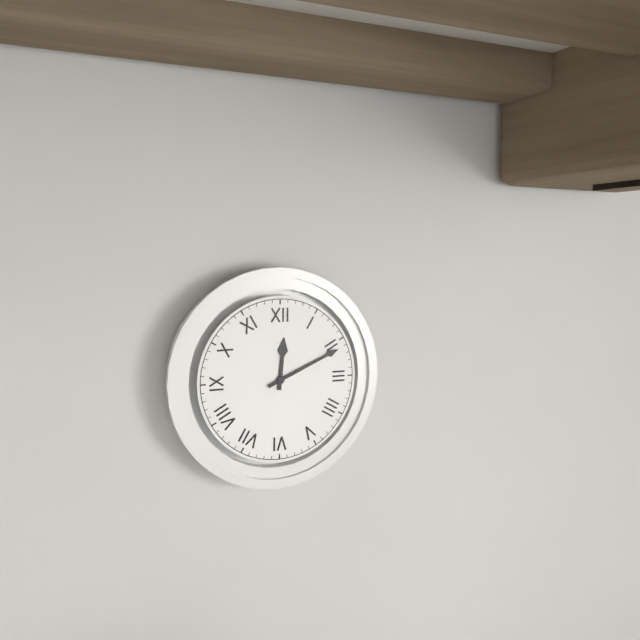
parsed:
12:11
